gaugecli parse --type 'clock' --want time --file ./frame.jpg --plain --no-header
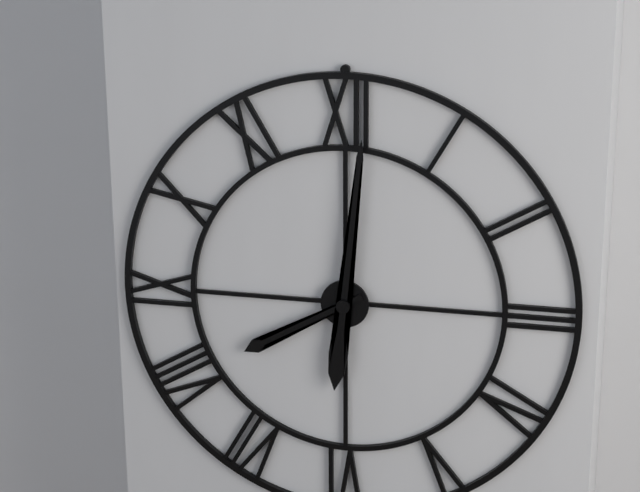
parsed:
8:01
